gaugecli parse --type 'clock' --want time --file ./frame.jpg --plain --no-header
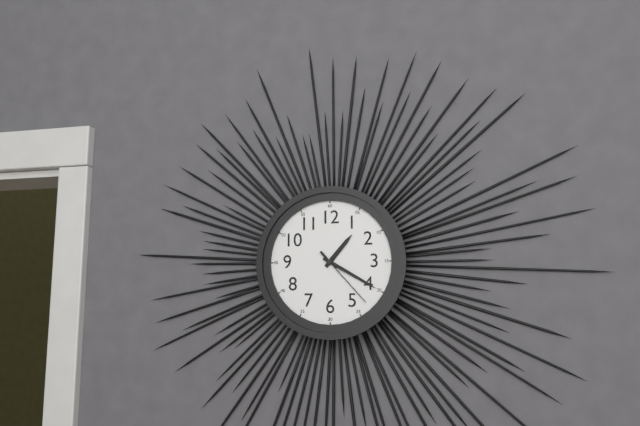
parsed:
1:20:23
